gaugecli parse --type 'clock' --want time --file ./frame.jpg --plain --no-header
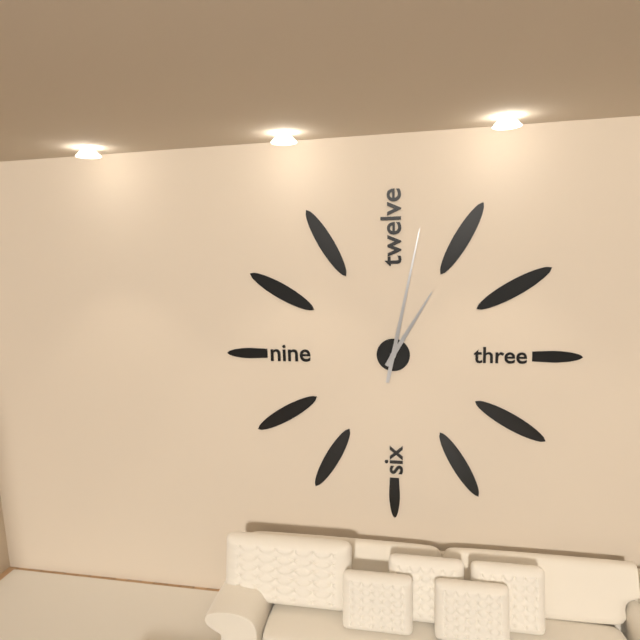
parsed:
1:02
